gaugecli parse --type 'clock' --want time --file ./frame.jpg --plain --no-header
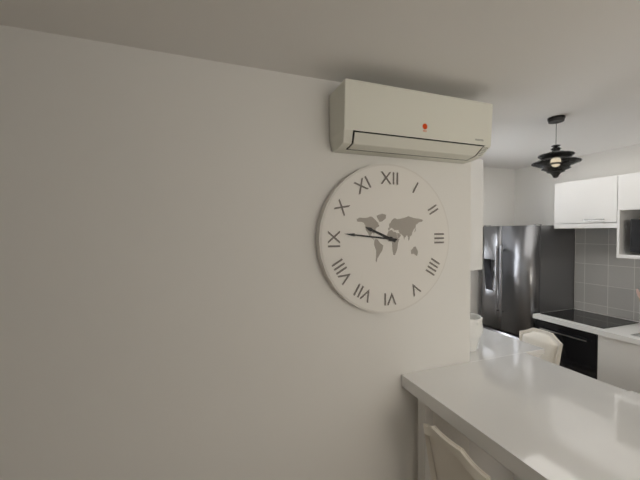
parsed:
9:46
